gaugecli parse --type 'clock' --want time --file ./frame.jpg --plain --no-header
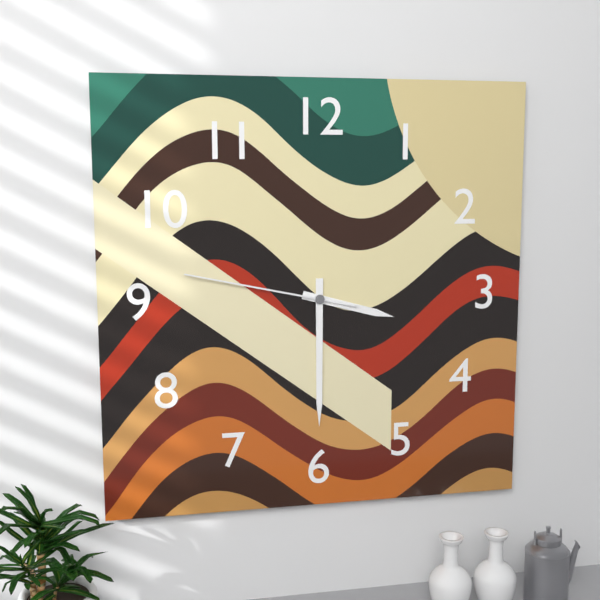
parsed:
3:30:47
